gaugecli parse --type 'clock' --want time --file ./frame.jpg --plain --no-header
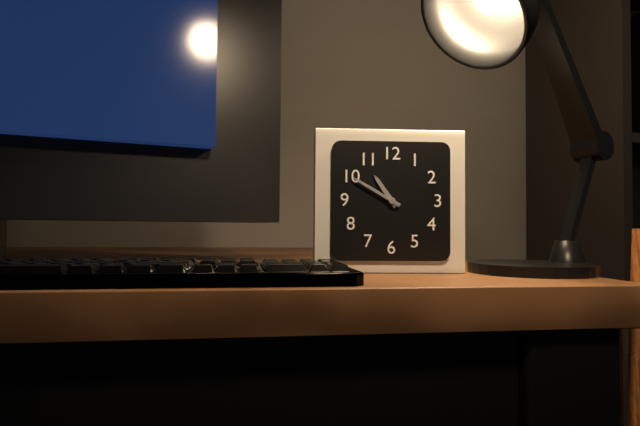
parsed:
10:50
